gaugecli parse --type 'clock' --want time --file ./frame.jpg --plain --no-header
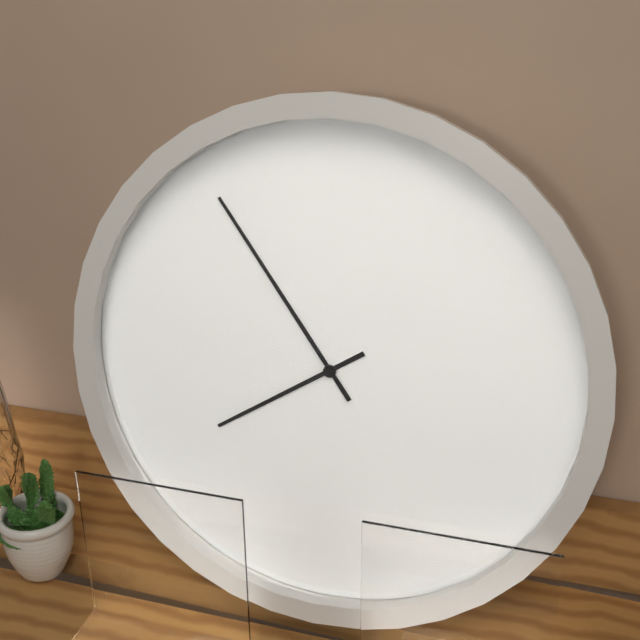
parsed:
7:54
